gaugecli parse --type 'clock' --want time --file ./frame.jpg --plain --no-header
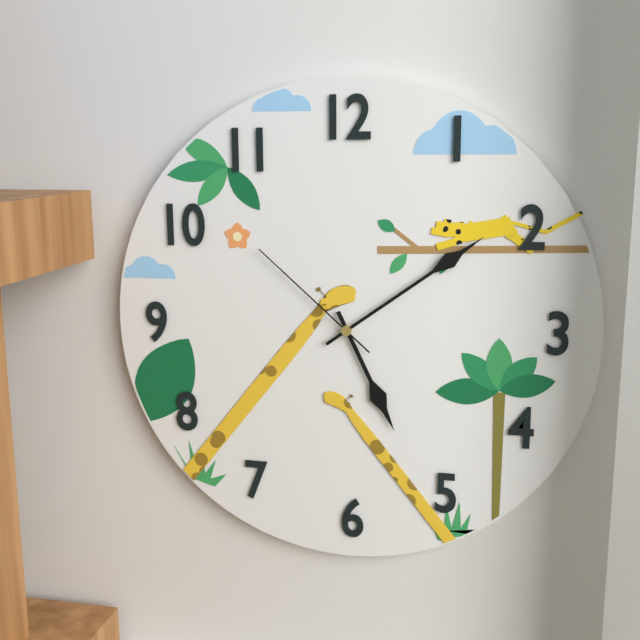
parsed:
5:09:52
